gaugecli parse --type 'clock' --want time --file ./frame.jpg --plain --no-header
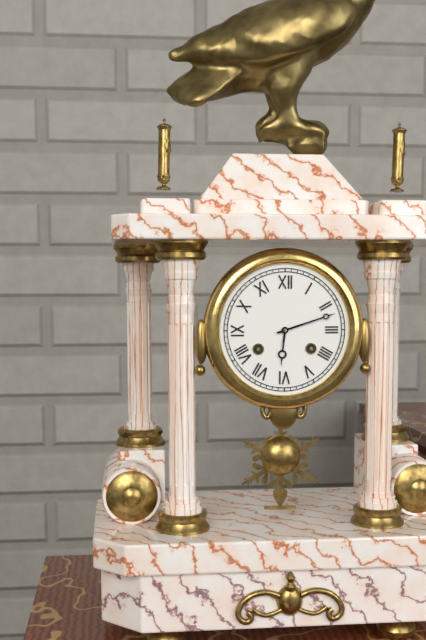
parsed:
6:12
